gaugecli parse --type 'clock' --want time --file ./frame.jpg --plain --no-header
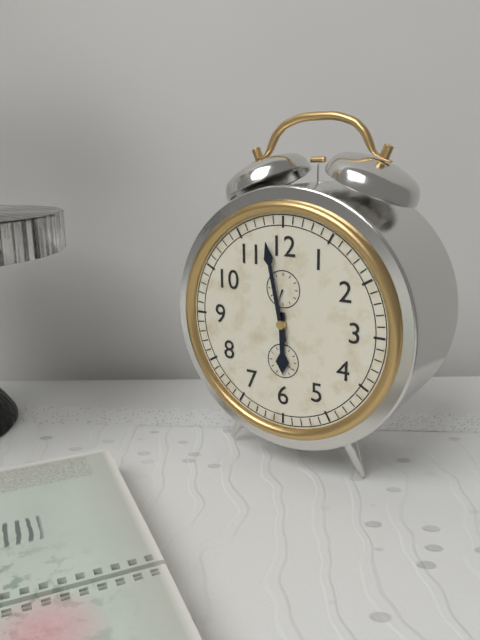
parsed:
5:58
